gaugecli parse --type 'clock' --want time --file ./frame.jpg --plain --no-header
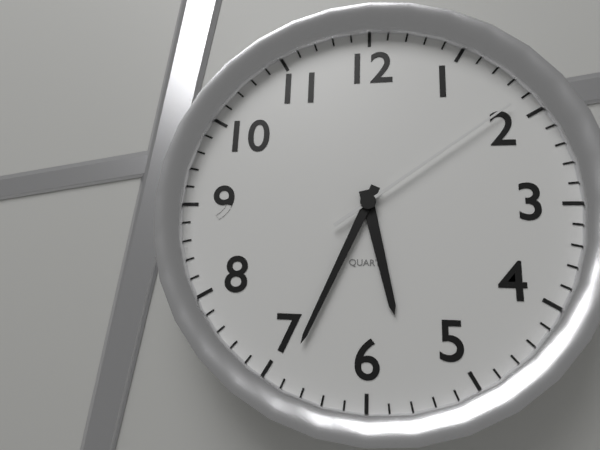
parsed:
5:34:09
